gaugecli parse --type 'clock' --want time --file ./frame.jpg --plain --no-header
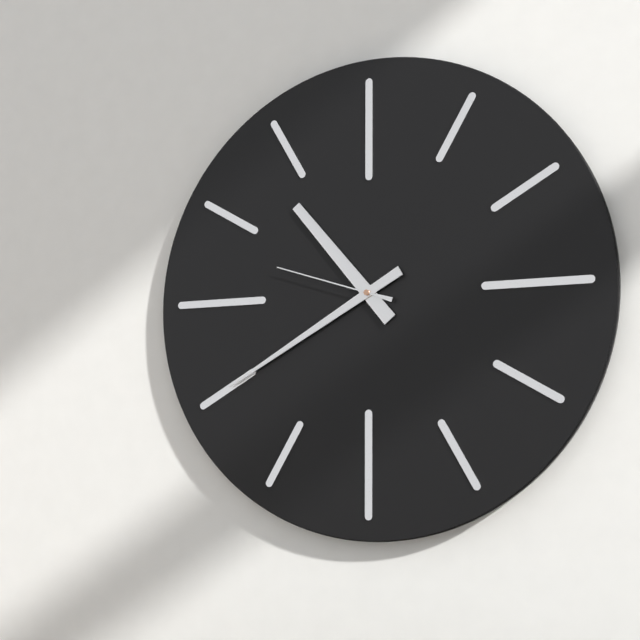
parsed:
10:40:48
